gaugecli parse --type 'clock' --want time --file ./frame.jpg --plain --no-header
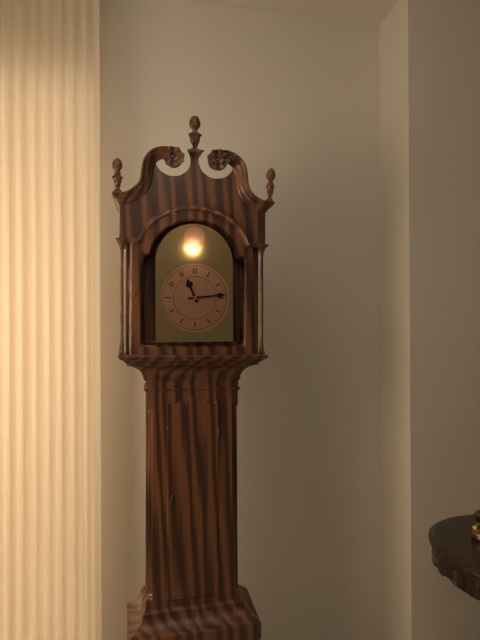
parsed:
11:14
